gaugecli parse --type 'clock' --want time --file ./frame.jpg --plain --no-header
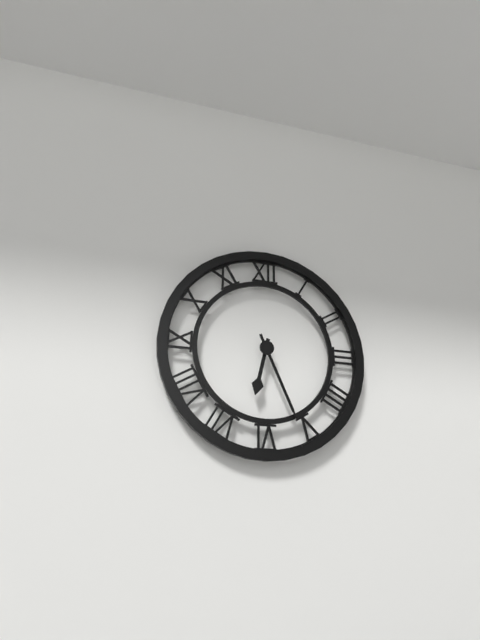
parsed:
6:26
